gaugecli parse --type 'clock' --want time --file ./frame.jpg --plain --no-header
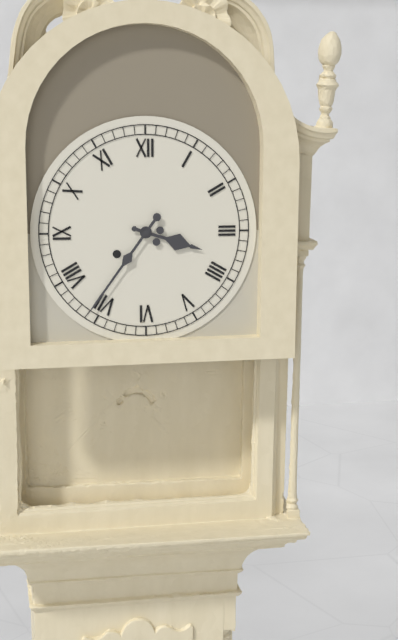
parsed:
3:36
